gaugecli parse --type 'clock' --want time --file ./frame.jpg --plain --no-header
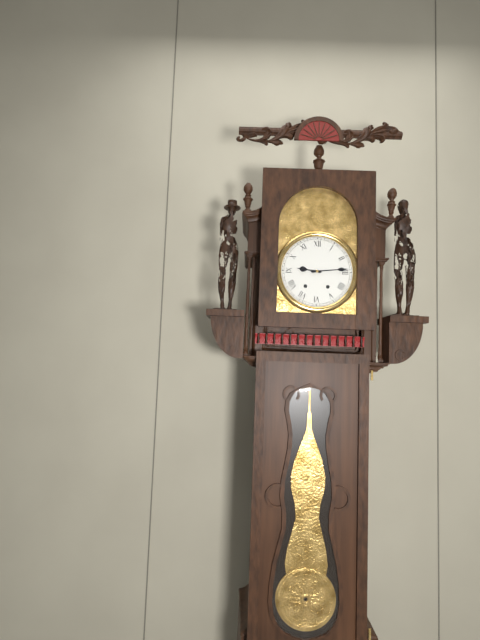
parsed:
9:14
